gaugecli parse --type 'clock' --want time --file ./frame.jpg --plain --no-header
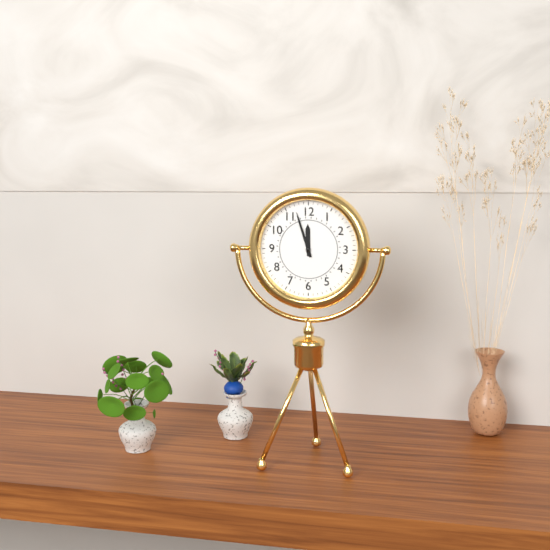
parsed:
11:57
